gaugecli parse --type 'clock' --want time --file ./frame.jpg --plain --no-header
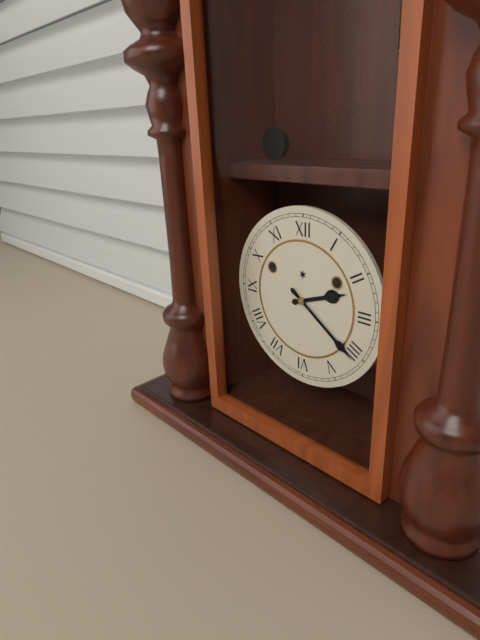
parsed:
2:21
